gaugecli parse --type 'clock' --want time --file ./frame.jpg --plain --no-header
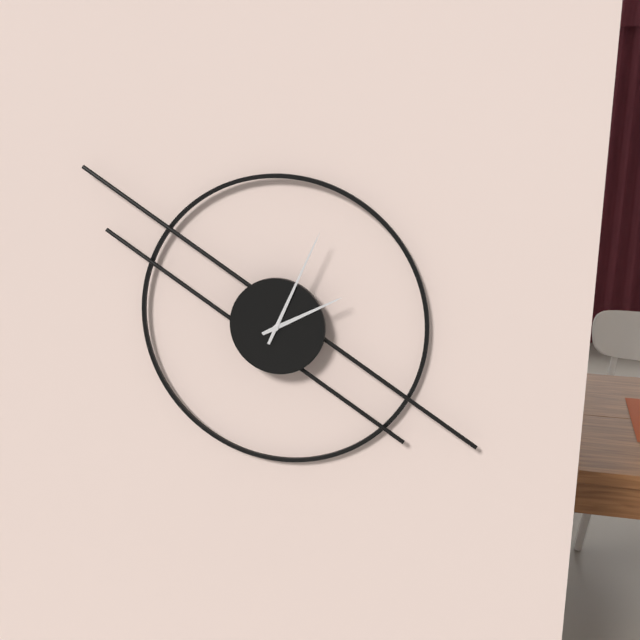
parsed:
2:04
